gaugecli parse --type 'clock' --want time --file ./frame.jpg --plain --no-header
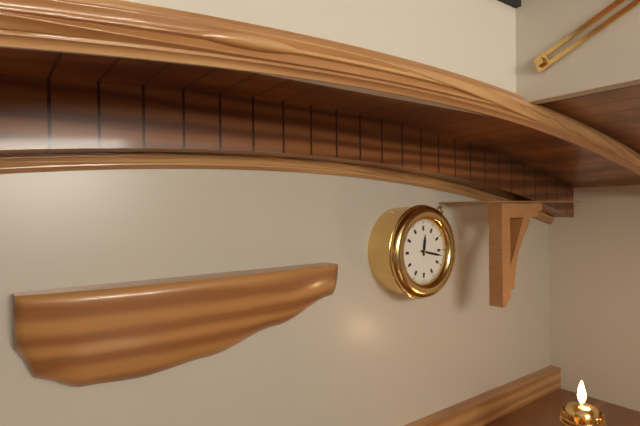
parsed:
12:17
